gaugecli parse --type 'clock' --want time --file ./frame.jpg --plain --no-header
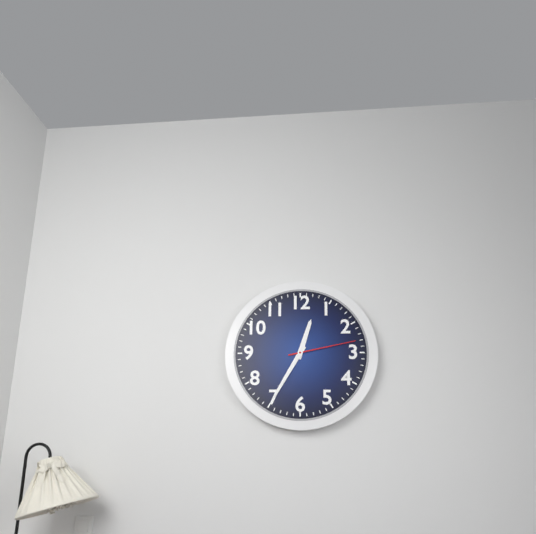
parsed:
12:35:13
